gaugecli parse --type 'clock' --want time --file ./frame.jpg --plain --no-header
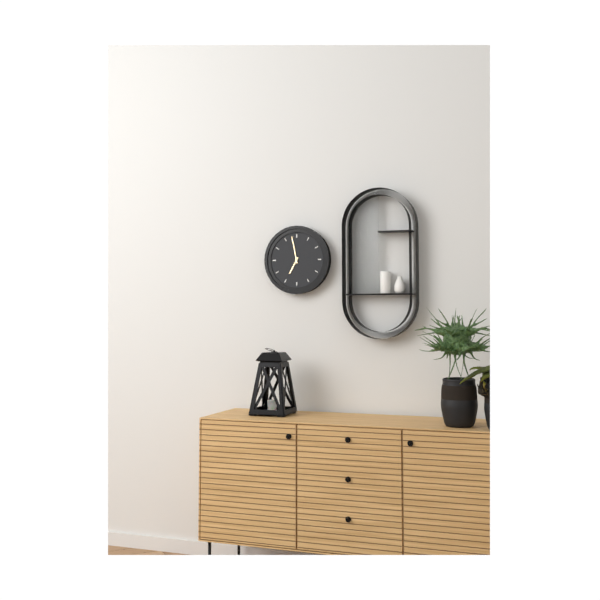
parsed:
6:58
